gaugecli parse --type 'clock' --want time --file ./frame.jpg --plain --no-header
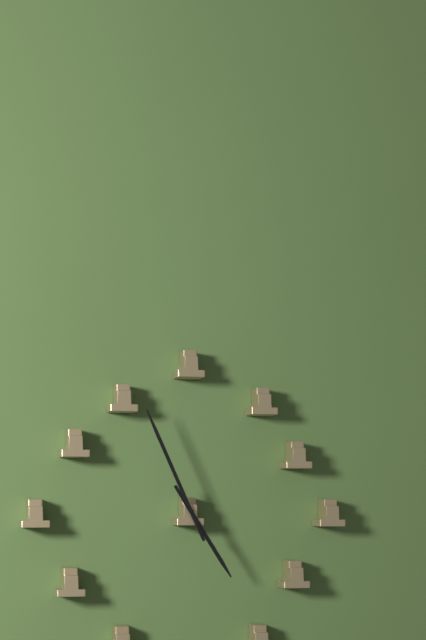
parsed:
4:56
